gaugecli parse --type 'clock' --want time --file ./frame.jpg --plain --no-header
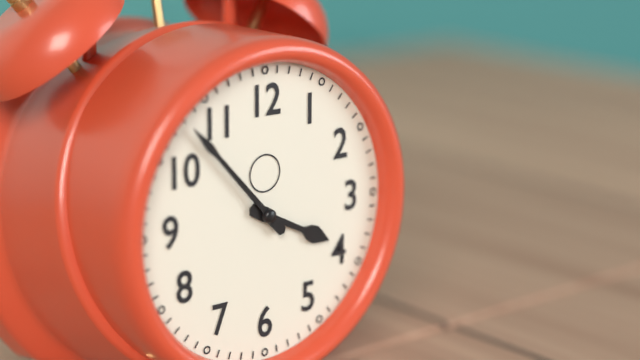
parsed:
3:53
